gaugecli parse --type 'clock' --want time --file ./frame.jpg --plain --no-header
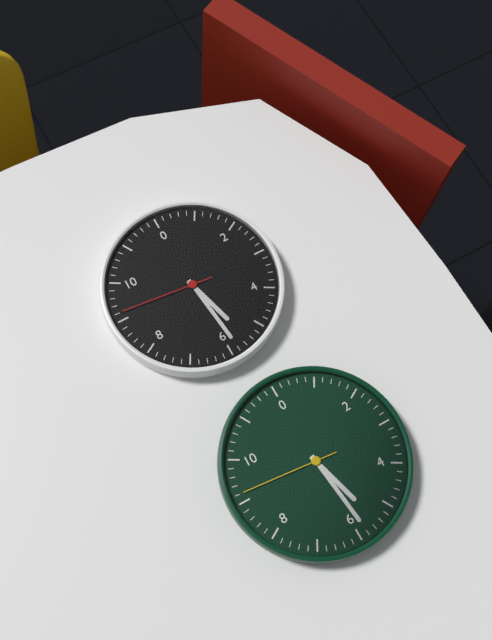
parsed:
5:29:46
